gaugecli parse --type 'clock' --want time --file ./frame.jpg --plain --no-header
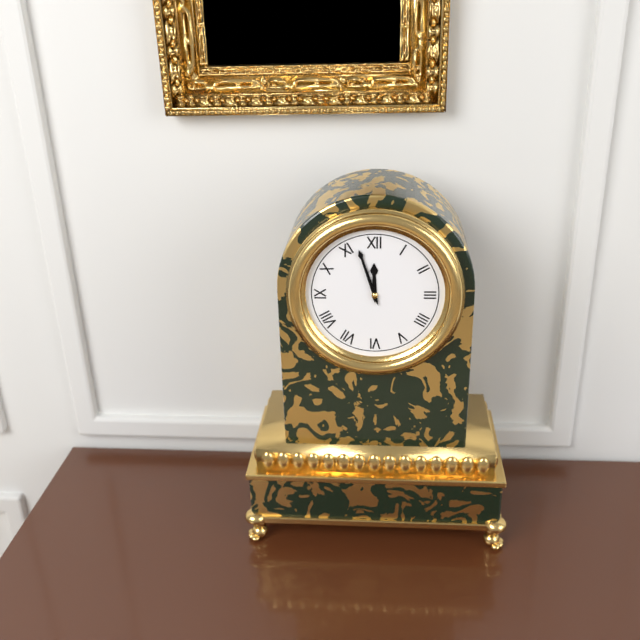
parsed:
11:57
